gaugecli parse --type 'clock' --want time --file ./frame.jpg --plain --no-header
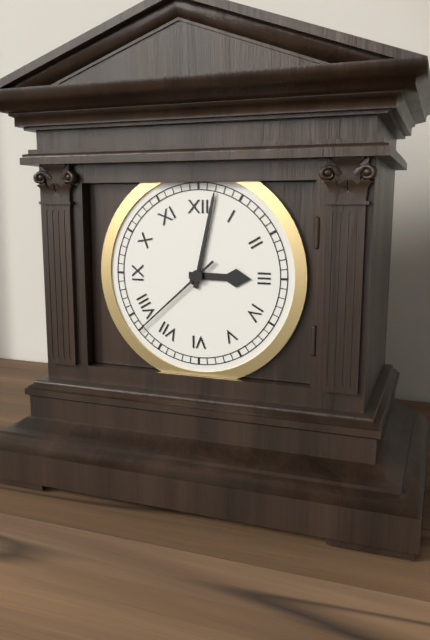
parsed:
3:02:38
